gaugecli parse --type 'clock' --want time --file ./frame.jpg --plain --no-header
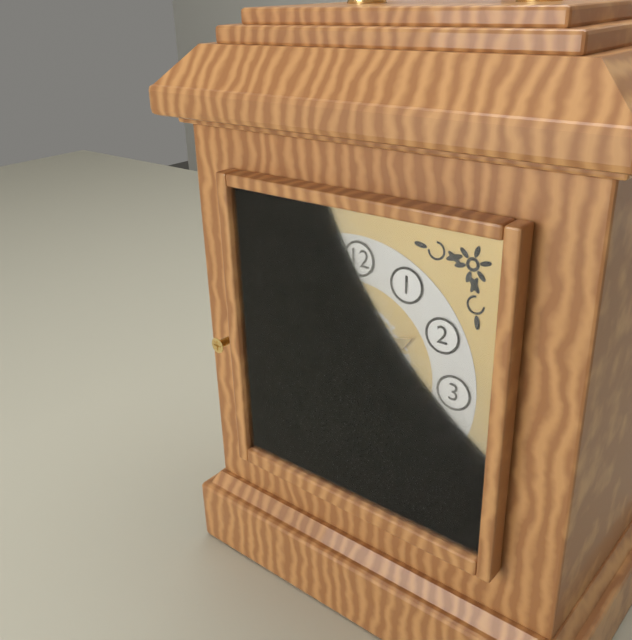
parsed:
1:50
